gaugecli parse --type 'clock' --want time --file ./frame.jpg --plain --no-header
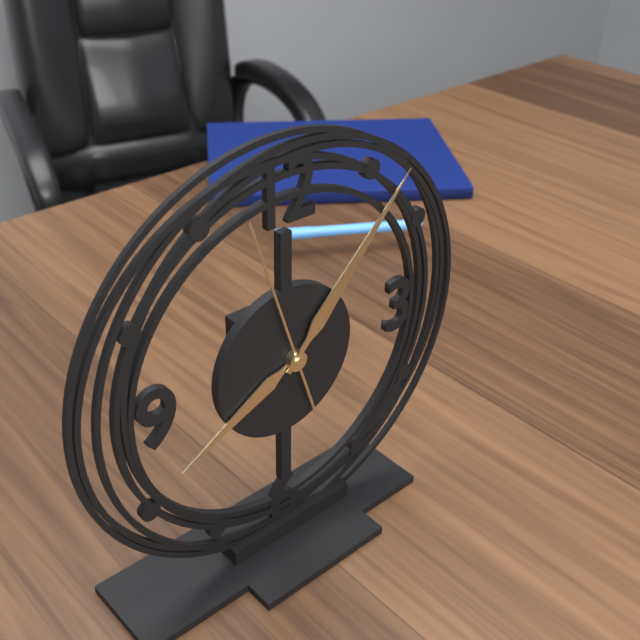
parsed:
8:07:57
